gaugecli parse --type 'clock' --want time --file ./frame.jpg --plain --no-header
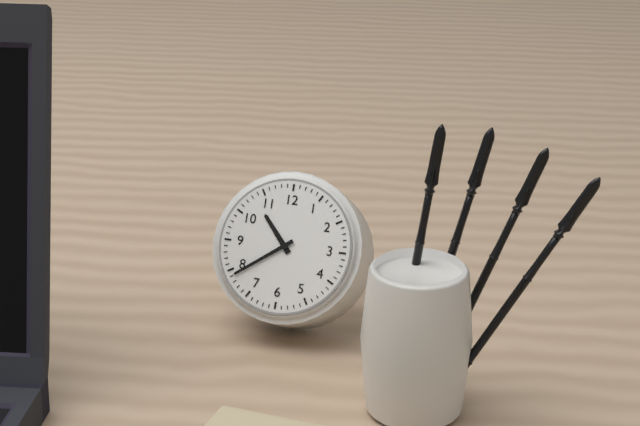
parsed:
10:39
